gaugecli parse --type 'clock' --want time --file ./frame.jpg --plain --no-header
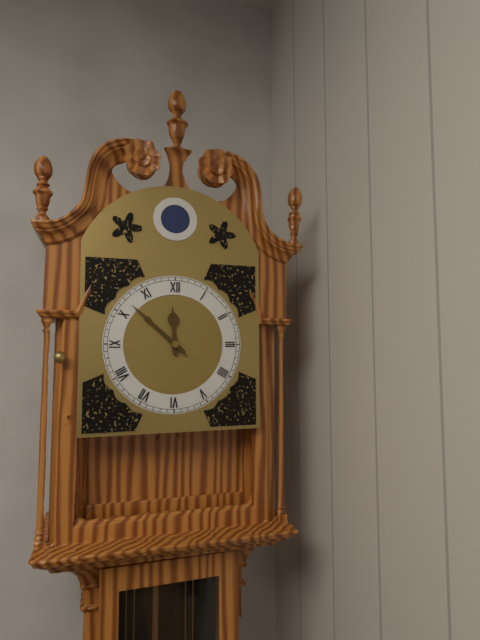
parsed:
11:52
